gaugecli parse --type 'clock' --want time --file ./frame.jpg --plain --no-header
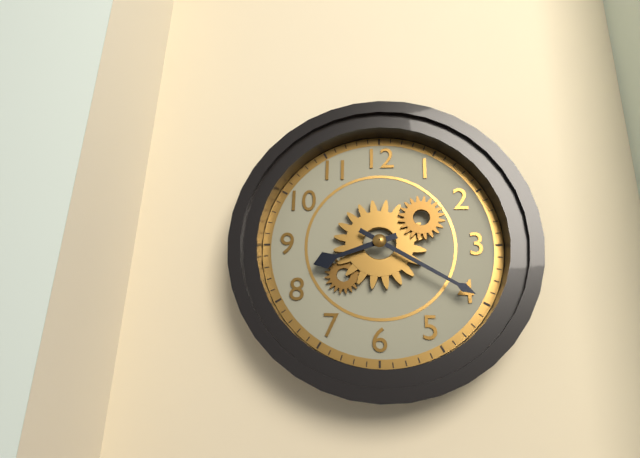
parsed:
8:20
